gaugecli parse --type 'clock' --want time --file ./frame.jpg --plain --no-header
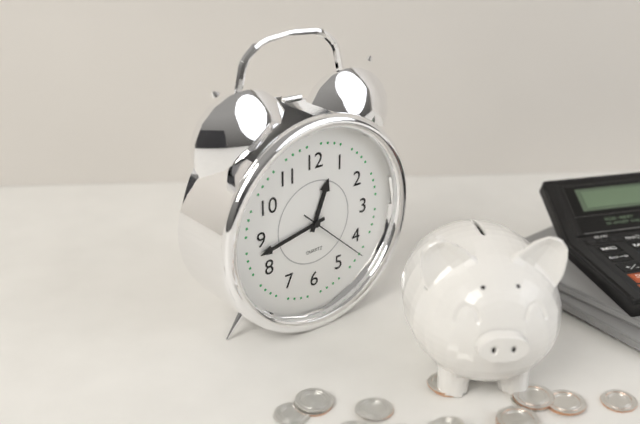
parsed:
12:43:22
